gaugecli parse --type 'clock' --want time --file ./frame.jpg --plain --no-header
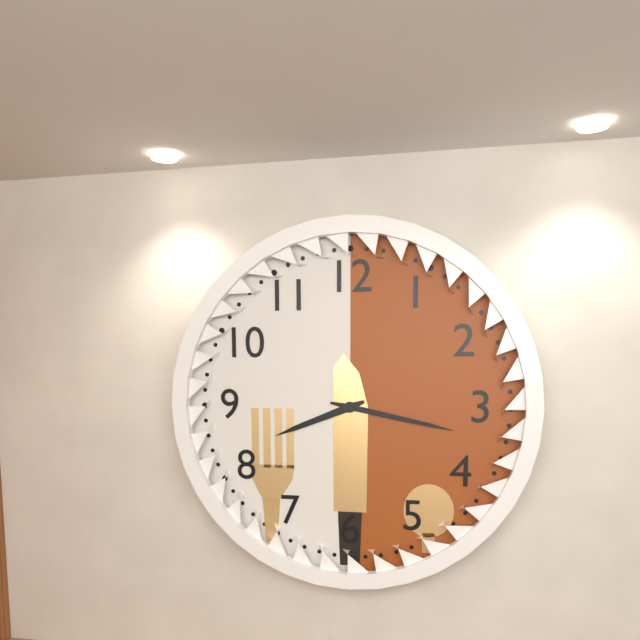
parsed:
8:17
